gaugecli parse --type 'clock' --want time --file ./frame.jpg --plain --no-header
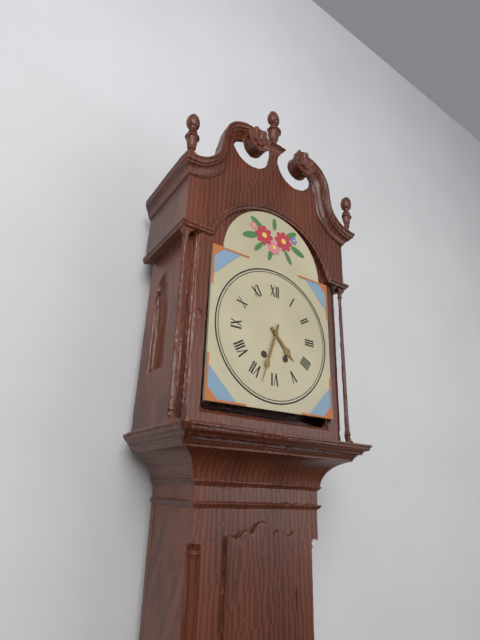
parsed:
4:33
